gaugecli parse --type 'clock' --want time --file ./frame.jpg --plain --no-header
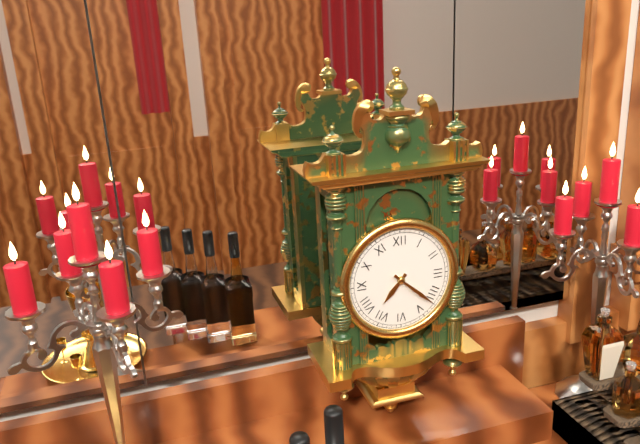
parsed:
7:22
